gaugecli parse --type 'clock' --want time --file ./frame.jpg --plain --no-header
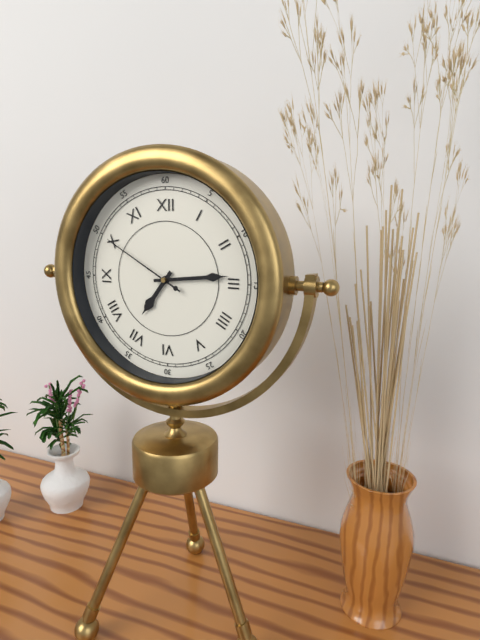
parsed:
7:14:50
